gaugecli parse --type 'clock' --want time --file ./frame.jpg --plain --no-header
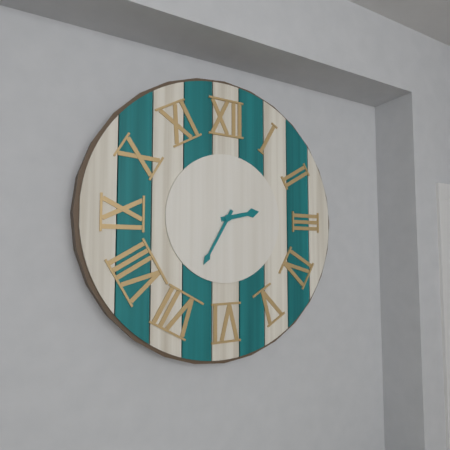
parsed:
2:35
